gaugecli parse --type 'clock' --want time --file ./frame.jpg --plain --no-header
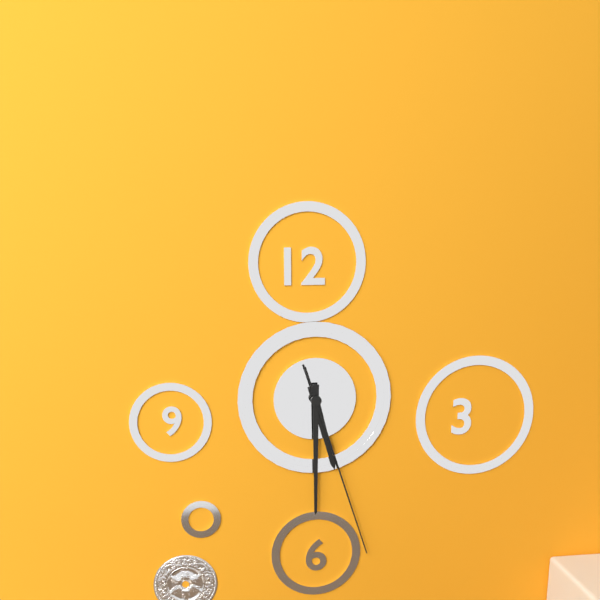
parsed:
5:30:27
